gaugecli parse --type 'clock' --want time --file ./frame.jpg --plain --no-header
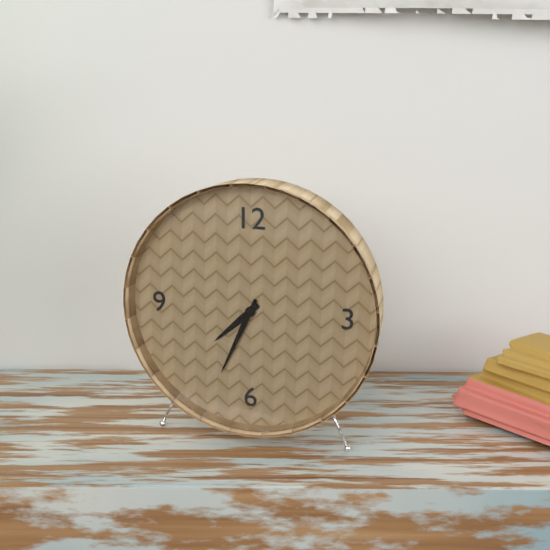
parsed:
7:34
